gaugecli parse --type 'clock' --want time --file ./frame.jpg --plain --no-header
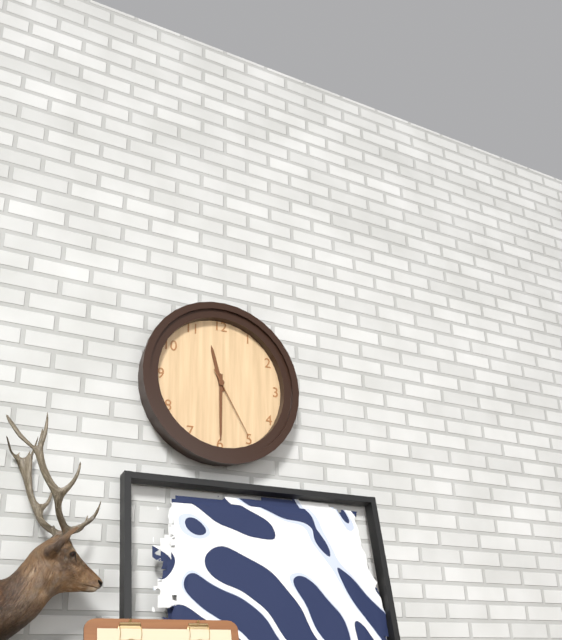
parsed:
11:30:25
